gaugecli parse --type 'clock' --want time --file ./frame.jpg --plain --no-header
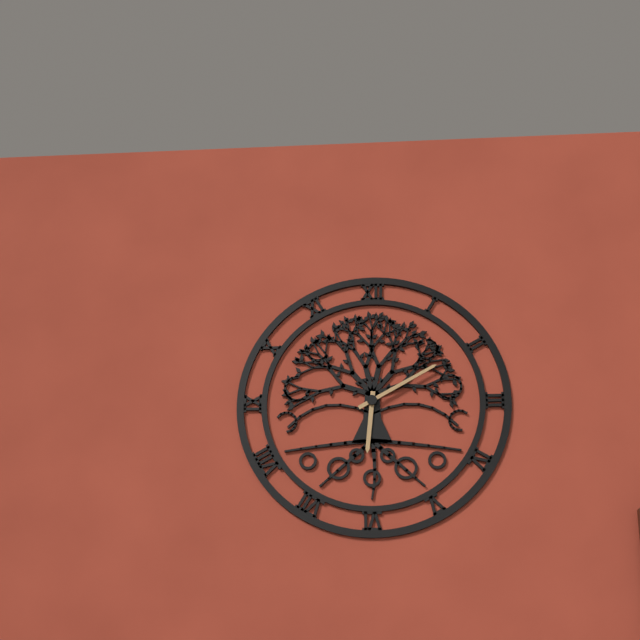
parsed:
6:10
